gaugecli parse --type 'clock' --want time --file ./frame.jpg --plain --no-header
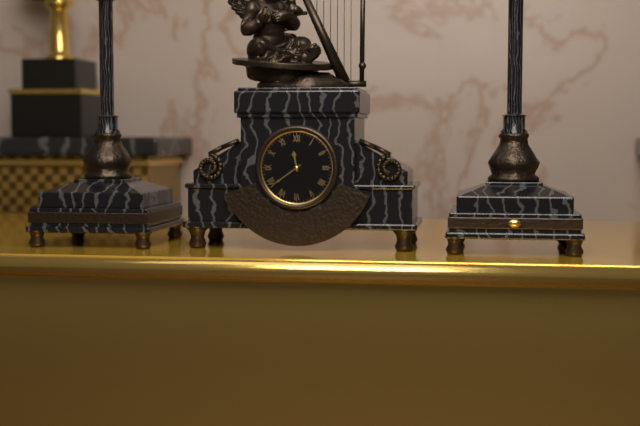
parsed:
11:39
